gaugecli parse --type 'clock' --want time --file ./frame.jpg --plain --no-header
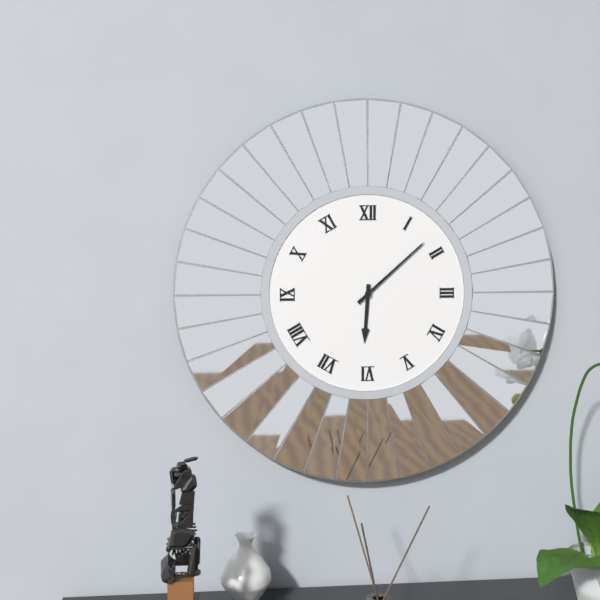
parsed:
6:08
